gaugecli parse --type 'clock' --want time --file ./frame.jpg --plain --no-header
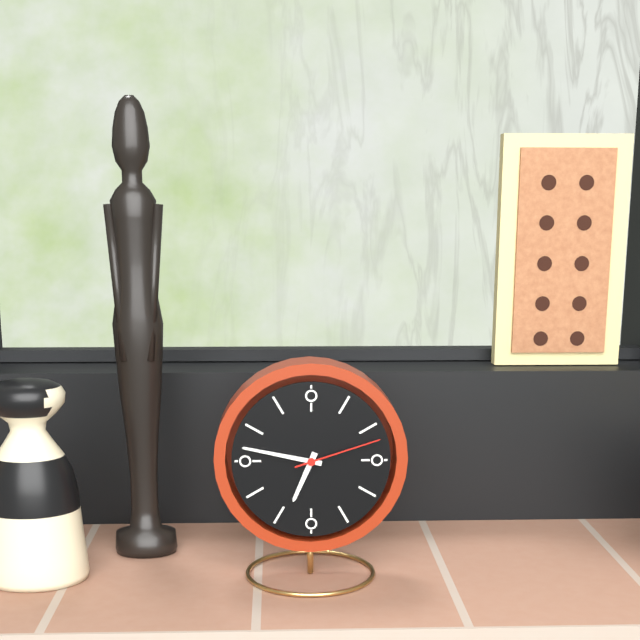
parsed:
6:47:12
